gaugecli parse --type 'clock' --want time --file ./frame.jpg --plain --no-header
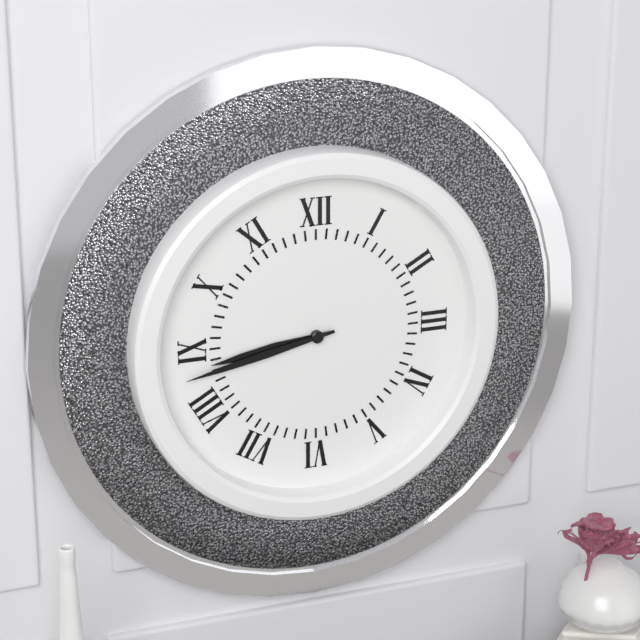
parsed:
8:43
